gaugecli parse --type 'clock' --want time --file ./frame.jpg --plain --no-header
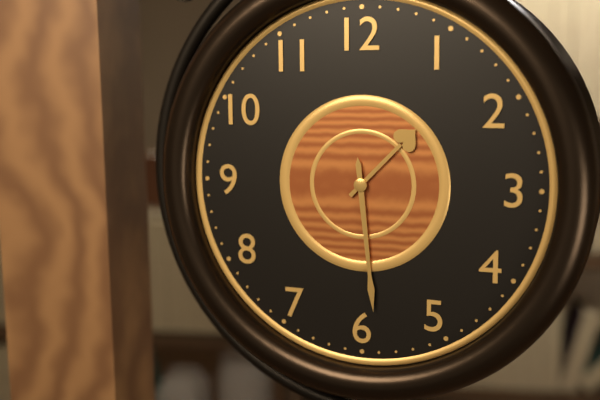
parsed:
1:29
